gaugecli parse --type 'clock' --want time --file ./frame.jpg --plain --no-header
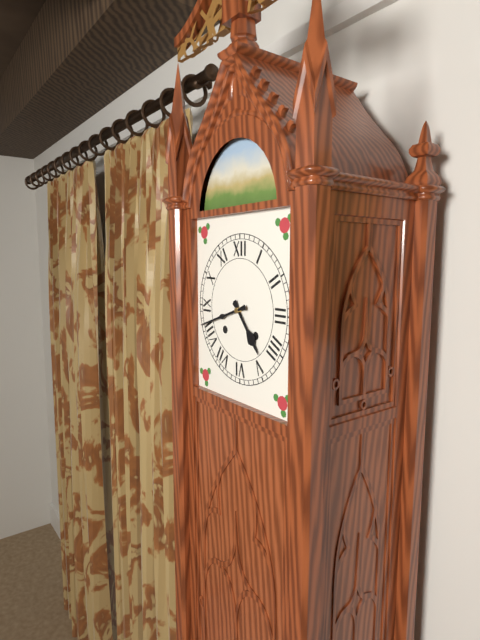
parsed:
4:42
